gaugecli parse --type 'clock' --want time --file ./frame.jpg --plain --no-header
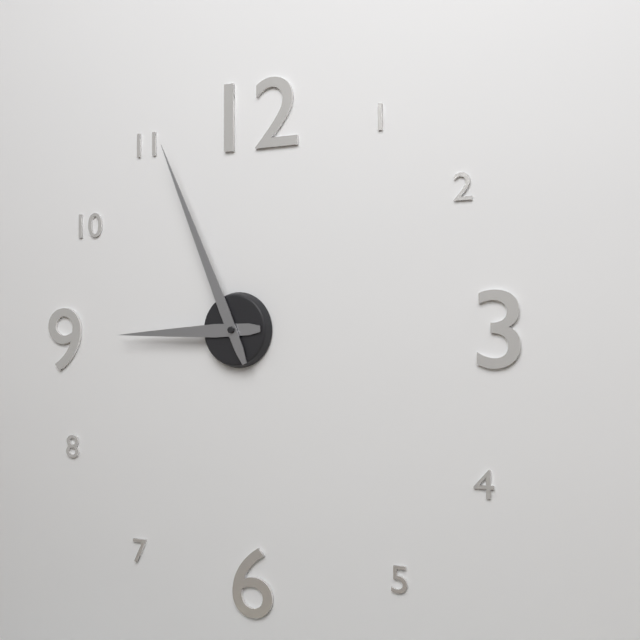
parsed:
8:56
